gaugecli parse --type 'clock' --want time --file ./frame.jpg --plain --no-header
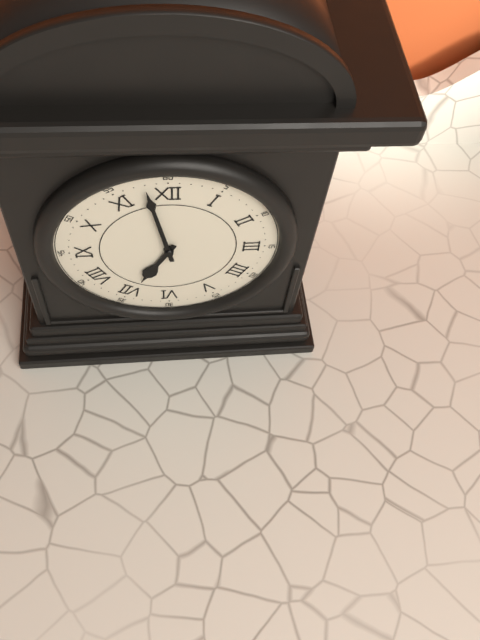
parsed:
6:58
